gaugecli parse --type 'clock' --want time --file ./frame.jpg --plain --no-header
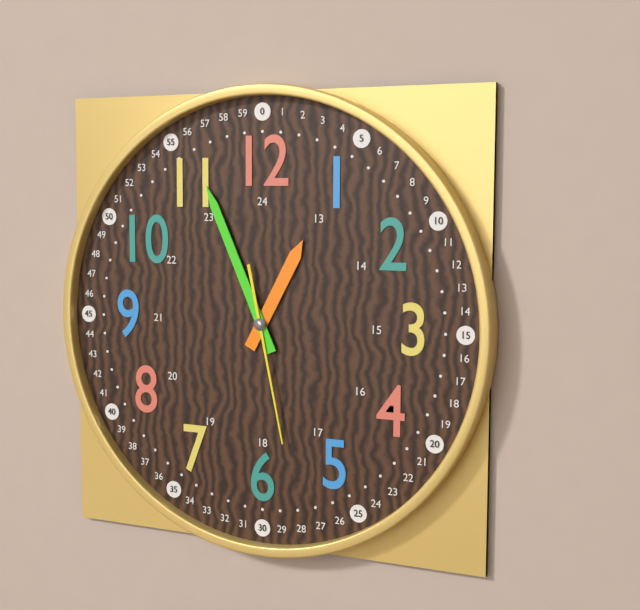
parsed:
12:56:28
